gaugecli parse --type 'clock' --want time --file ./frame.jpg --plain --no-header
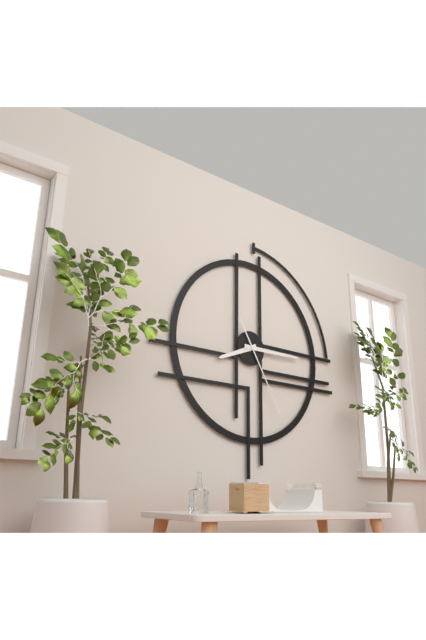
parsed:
8:15:25
